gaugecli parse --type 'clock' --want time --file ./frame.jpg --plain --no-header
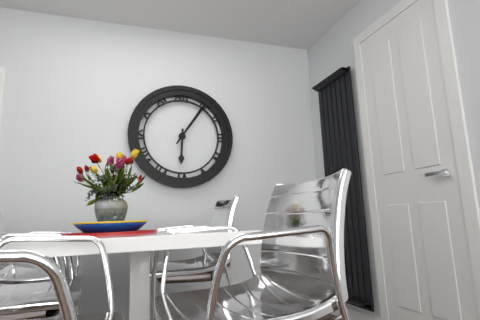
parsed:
6:06
